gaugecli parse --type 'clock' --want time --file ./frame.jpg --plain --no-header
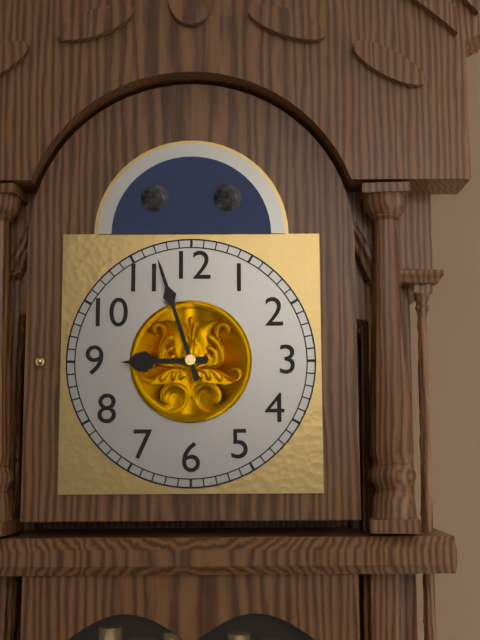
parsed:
8:57
